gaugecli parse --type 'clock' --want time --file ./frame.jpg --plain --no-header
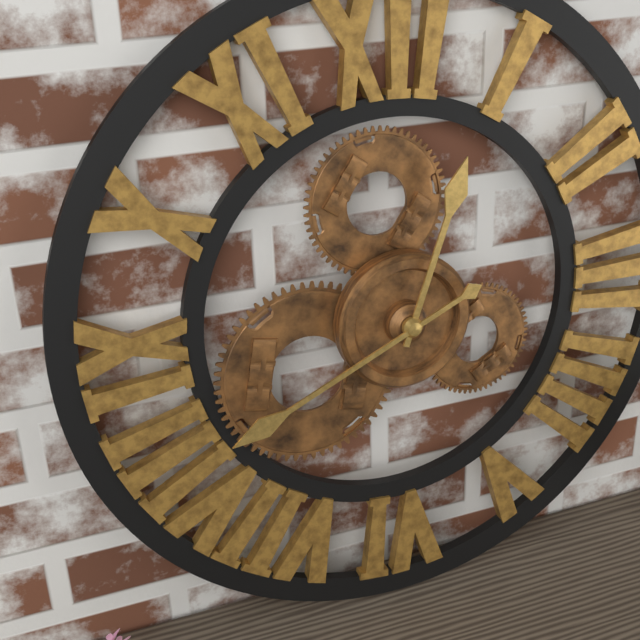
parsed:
12:41
